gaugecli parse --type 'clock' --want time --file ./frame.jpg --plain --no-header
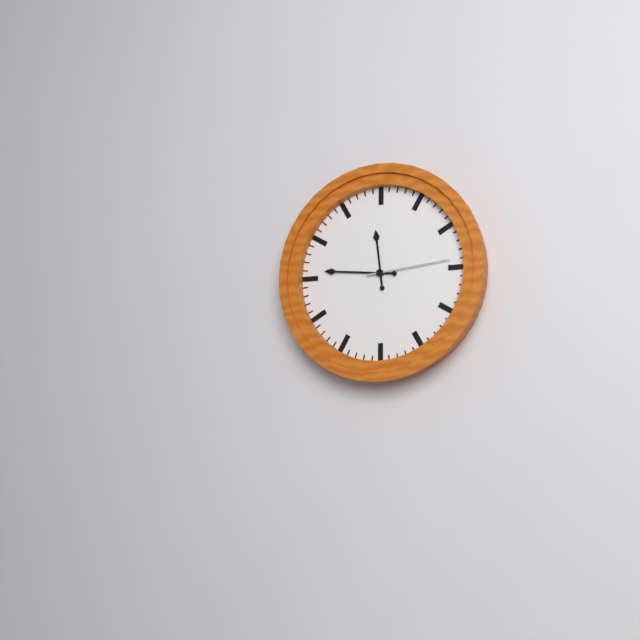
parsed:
11:46:14
